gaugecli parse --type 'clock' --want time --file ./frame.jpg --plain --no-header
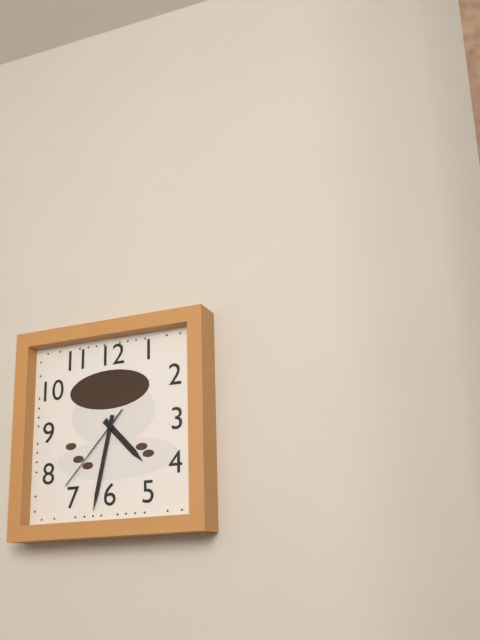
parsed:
4:32:37
